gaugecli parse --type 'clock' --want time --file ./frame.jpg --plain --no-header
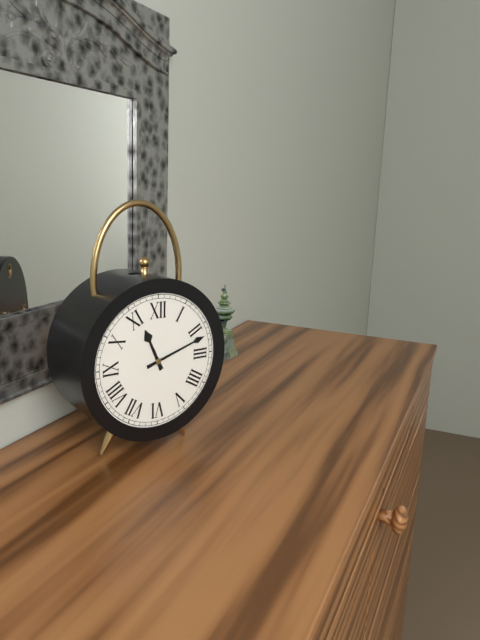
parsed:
11:12
